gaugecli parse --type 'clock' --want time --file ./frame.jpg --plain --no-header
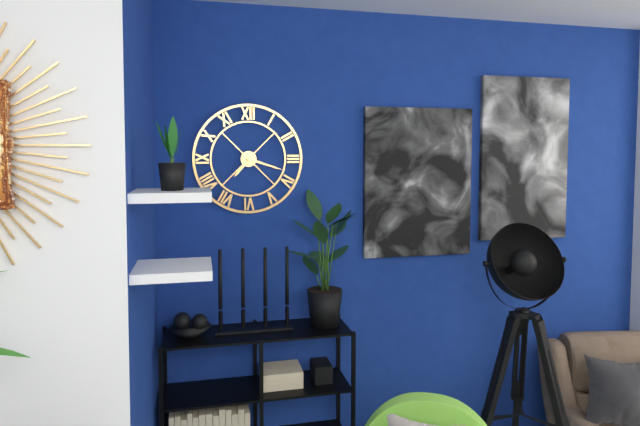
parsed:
7:18
